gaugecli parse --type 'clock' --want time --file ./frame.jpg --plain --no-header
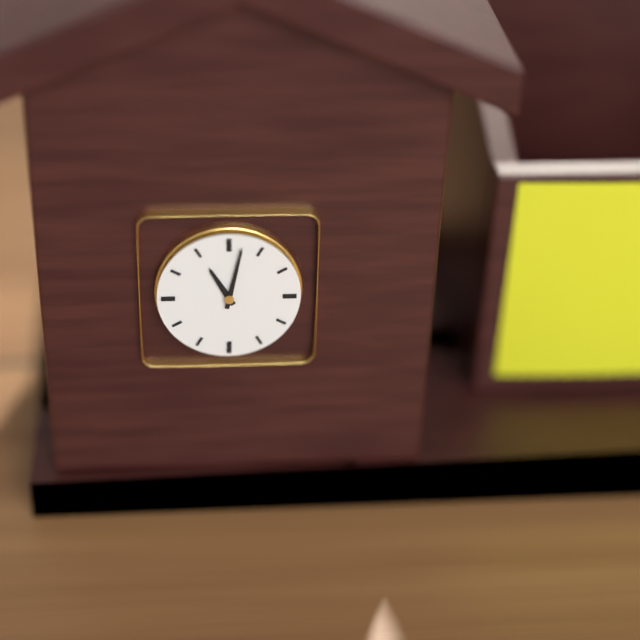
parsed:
11:02
